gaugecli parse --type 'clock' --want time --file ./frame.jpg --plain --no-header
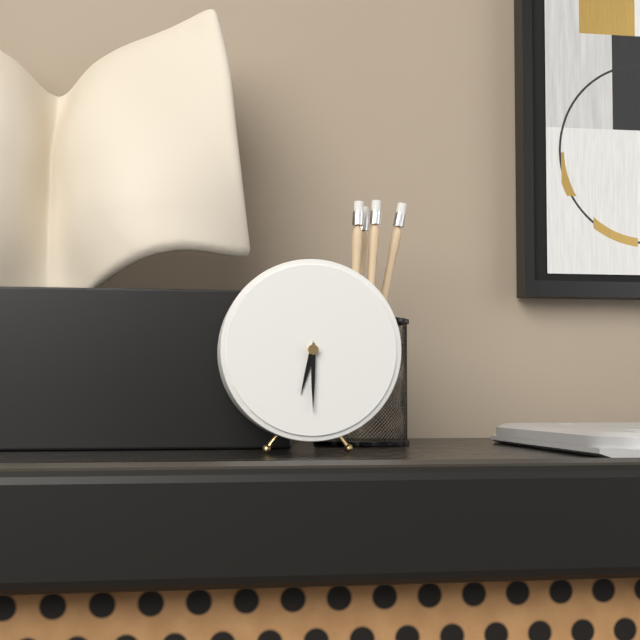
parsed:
6:30
